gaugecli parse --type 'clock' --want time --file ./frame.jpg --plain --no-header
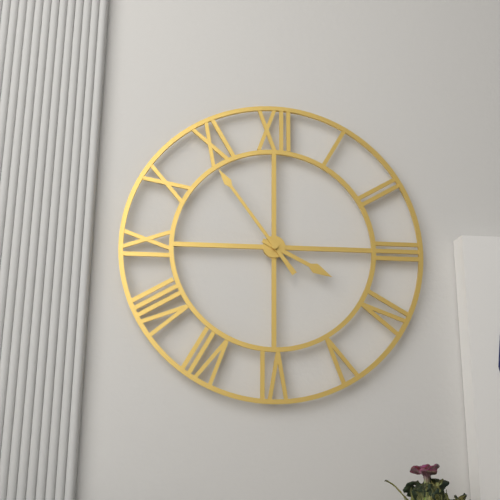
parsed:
3:54
